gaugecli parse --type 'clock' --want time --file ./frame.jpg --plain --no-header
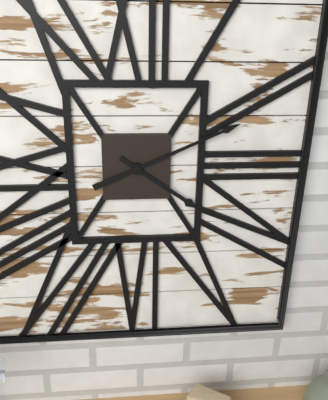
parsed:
4:11
